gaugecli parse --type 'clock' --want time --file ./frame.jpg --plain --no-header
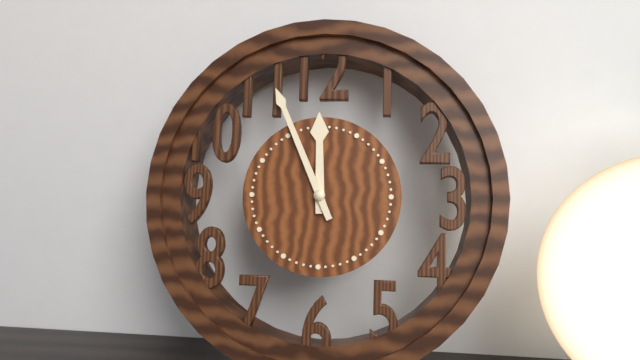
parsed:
11:56
